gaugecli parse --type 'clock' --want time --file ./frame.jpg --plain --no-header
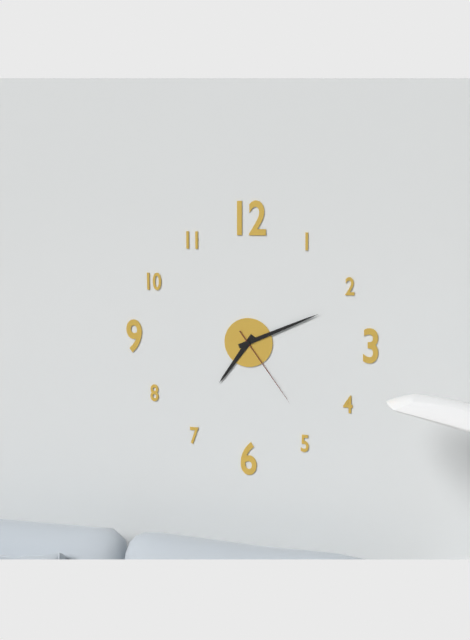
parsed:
7:11:24
